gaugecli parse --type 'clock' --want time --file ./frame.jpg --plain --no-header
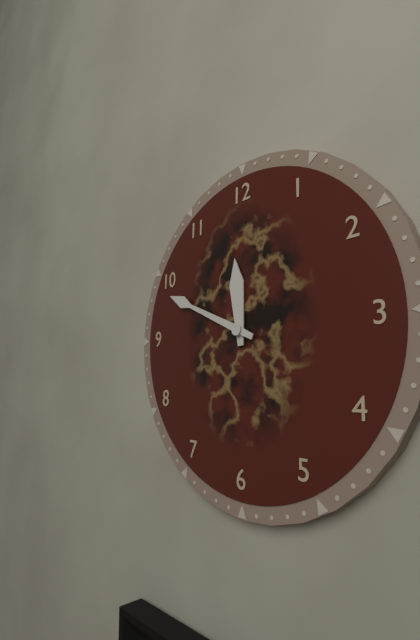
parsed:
11:49
